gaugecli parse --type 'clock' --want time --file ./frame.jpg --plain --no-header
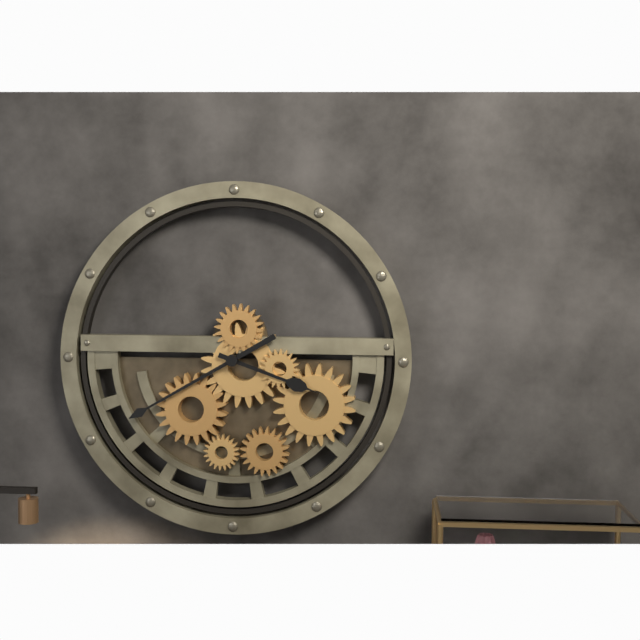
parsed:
3:40
